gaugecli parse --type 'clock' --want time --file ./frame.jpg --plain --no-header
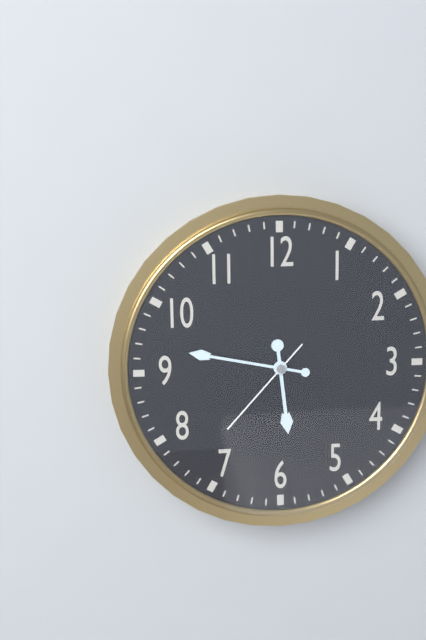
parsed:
5:47:37
